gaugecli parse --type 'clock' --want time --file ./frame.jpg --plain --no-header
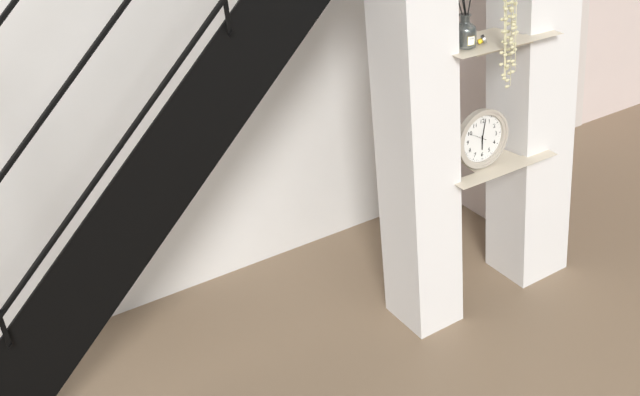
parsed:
6:02
